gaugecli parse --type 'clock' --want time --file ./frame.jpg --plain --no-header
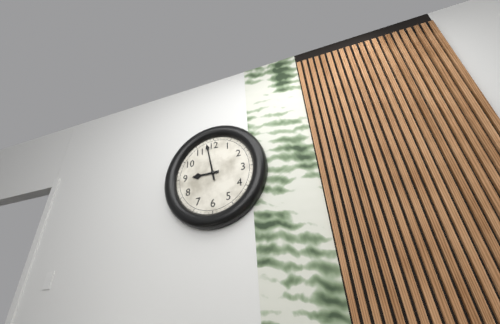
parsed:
8:58
